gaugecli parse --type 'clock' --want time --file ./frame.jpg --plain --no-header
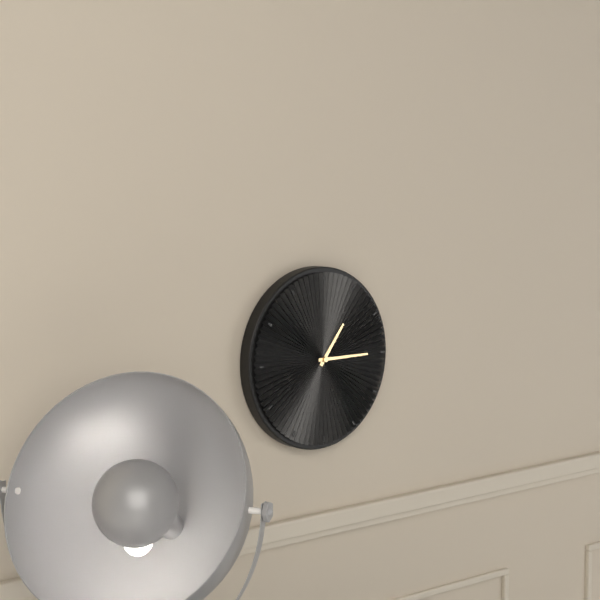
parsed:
1:15
